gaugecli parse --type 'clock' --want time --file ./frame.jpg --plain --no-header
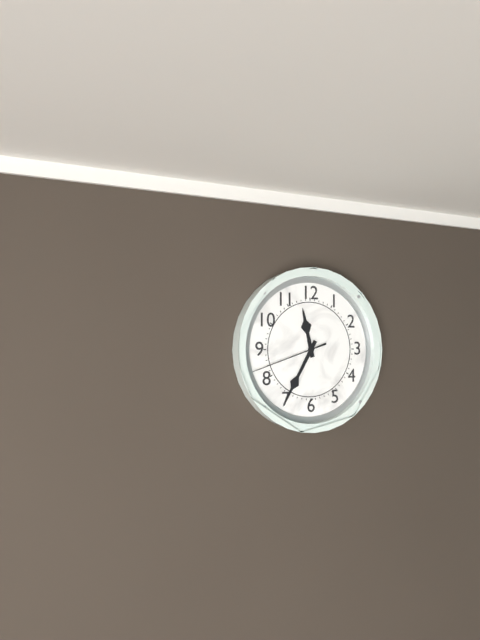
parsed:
11:35:42
